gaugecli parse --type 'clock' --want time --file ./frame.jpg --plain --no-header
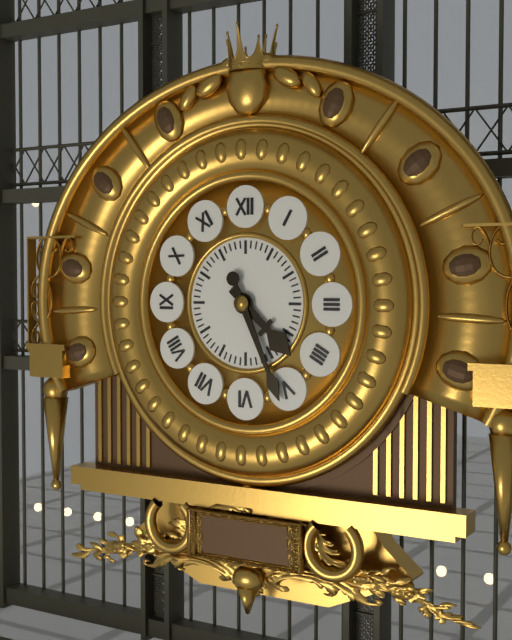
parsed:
4:26
